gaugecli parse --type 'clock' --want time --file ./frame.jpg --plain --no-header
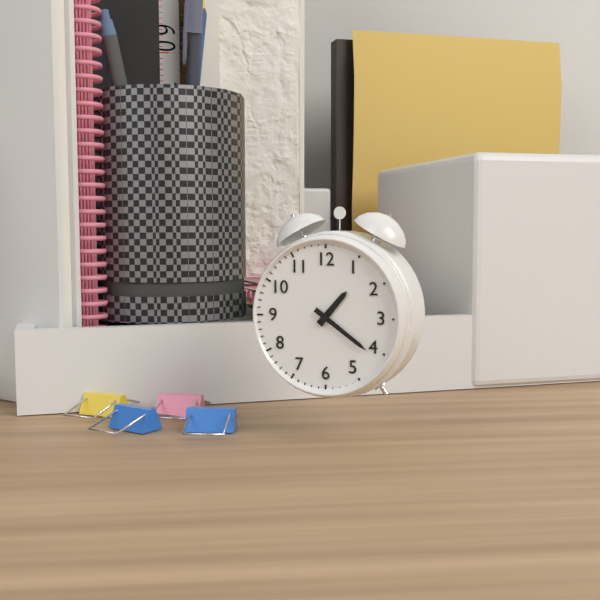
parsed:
1:21
